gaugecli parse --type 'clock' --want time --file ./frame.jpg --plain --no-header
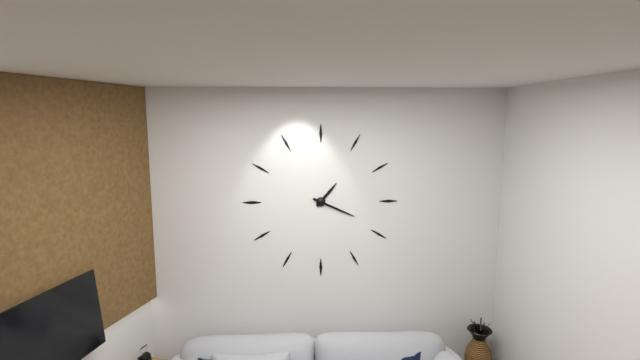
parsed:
1:19
